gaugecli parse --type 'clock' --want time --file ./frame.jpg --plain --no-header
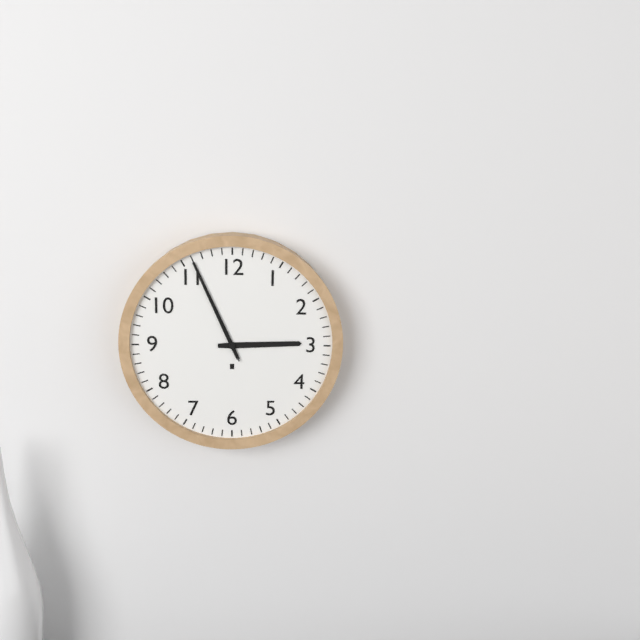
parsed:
2:56:56
